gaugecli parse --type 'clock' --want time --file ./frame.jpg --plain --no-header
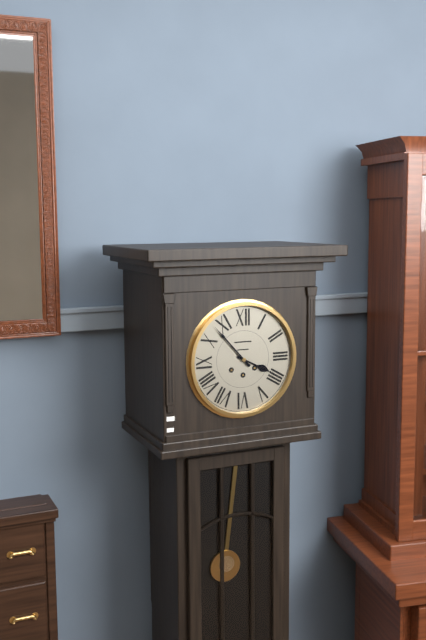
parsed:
3:53
